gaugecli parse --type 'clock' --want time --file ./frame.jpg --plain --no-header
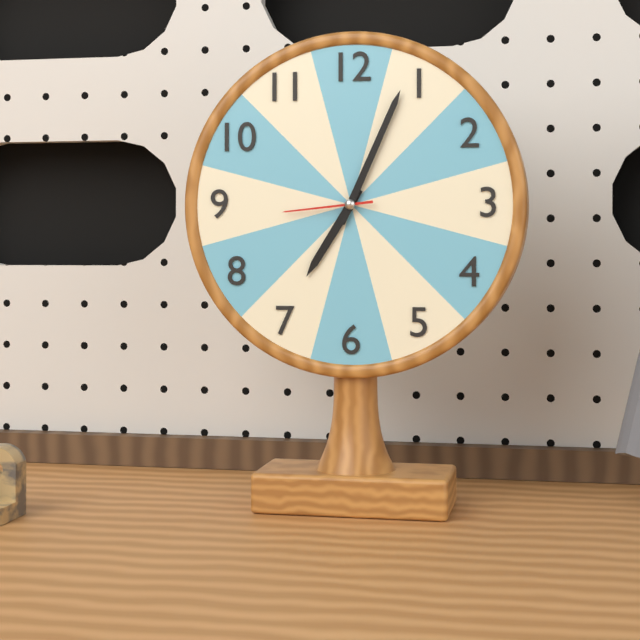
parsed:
7:04:44
